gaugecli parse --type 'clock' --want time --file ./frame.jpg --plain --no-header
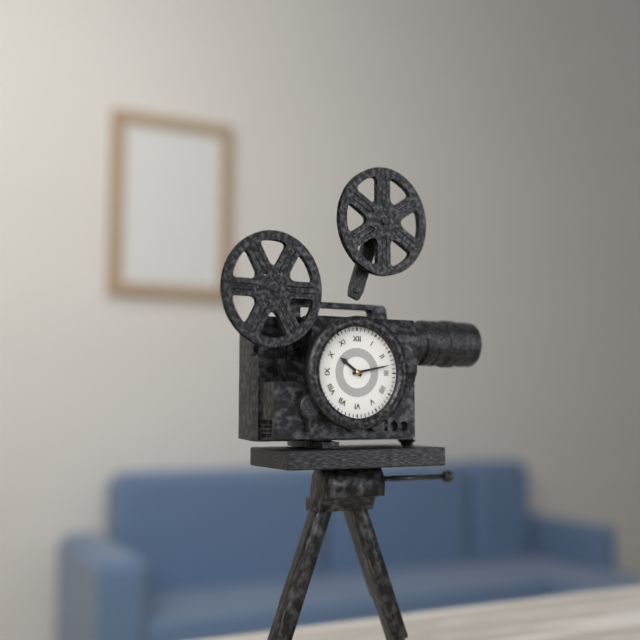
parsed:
10:13
